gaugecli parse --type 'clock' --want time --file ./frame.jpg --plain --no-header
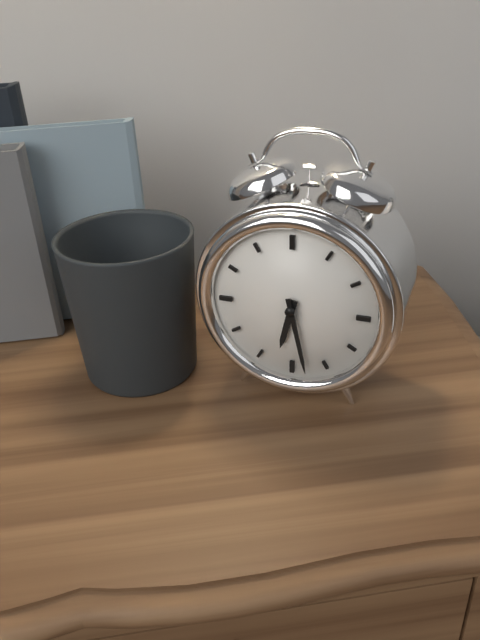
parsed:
6:28
